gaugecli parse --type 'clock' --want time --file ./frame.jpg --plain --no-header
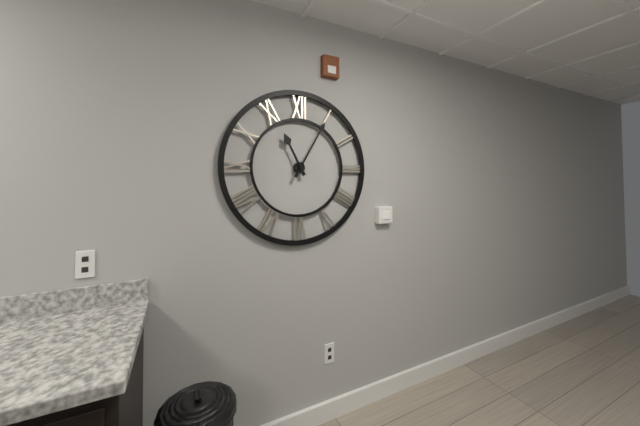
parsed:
11:05
